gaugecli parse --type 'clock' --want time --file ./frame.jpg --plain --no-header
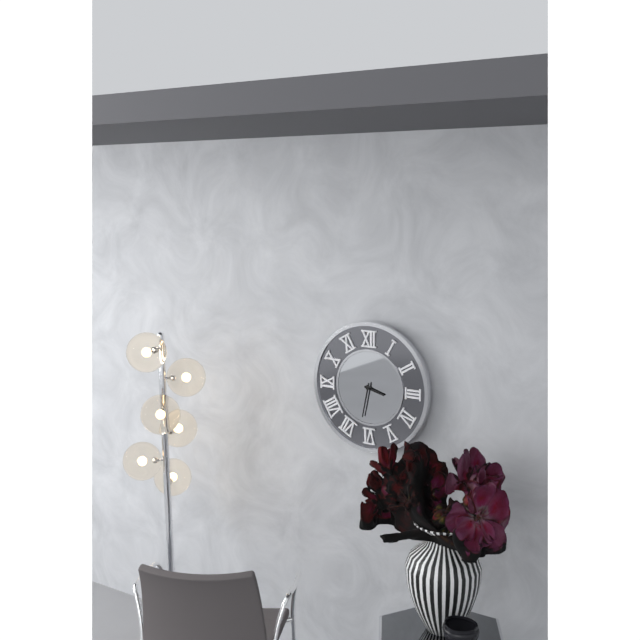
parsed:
3:32
